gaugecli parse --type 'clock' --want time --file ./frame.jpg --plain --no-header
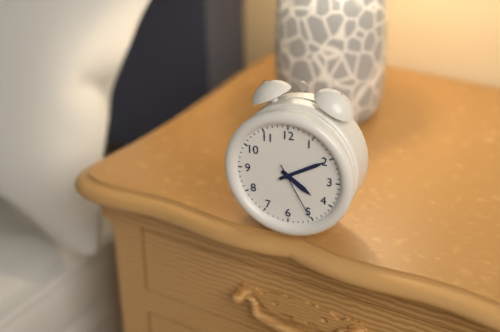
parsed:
4:10:25
